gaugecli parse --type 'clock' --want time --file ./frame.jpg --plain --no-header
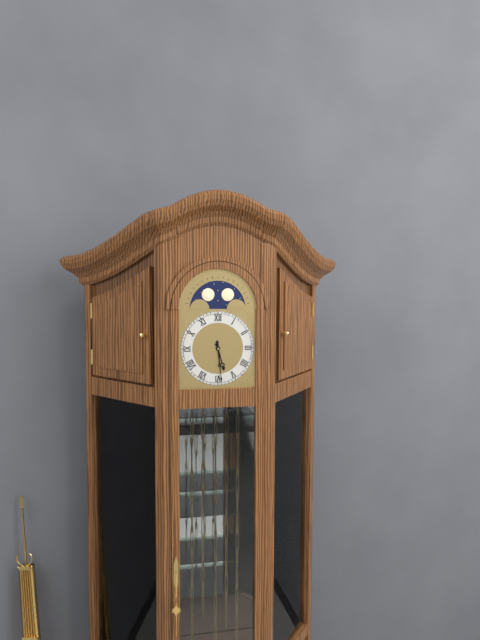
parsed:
5:29
